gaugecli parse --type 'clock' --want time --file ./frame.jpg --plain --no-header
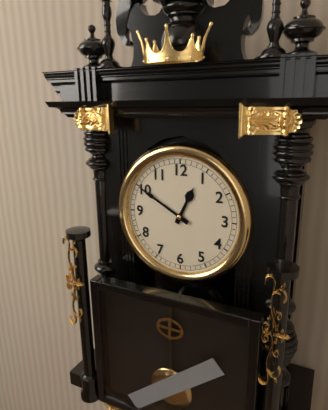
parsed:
12:50
